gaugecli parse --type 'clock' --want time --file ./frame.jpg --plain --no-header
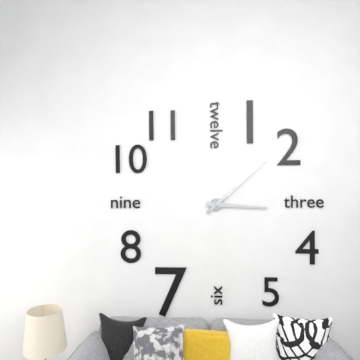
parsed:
3:08
